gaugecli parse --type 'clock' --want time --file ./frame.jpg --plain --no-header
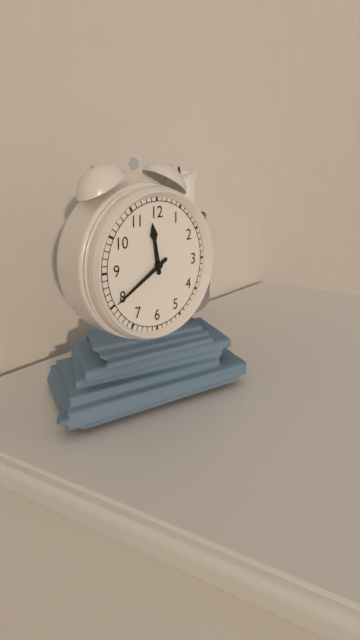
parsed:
11:40
